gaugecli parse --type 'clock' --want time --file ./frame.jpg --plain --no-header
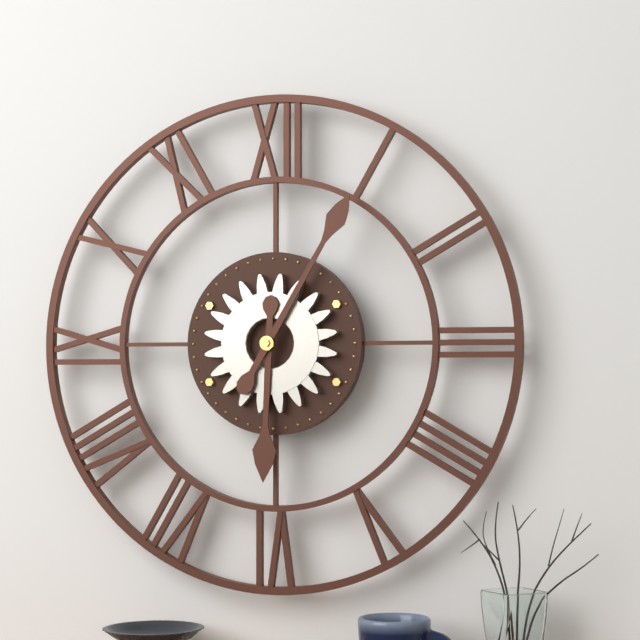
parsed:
6:05
